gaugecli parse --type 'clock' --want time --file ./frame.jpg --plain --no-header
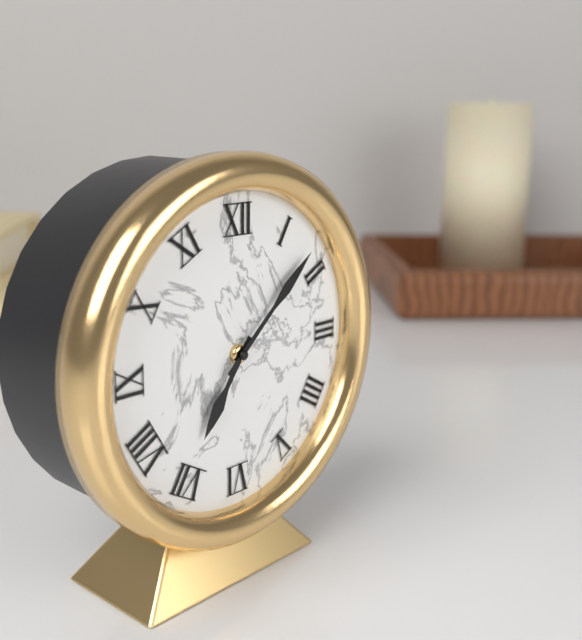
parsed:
7:08
